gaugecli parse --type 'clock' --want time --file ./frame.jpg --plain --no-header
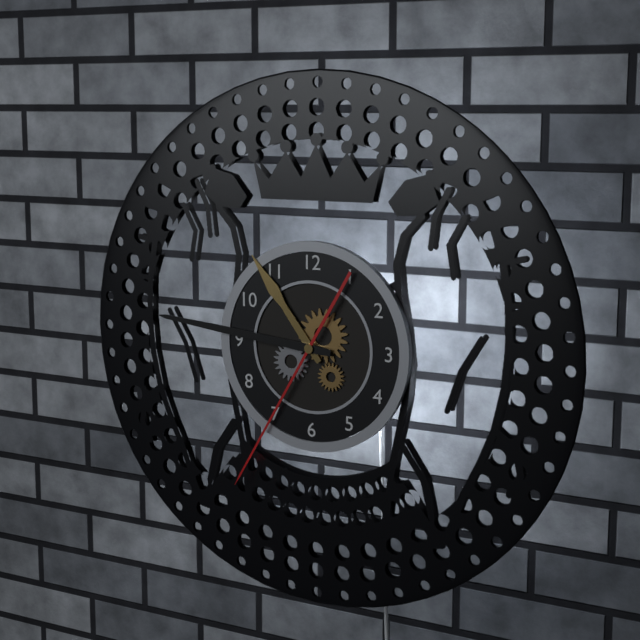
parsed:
10:46:35
